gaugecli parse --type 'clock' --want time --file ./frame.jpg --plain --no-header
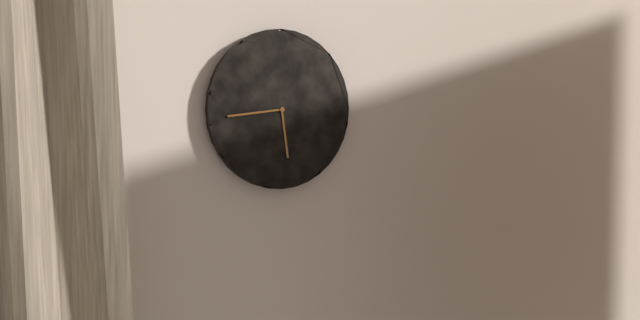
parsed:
5:44
